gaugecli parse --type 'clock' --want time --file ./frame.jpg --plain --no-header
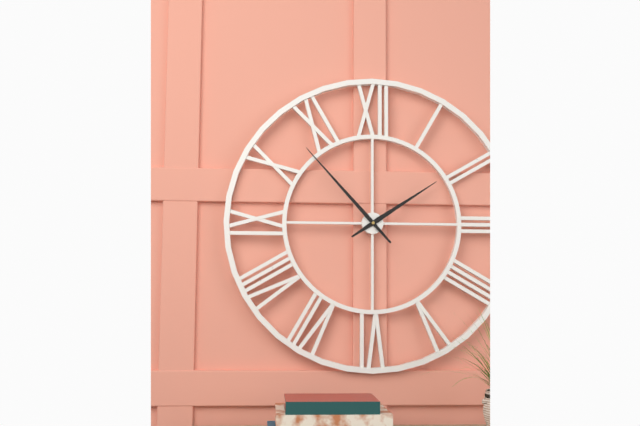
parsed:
1:53
